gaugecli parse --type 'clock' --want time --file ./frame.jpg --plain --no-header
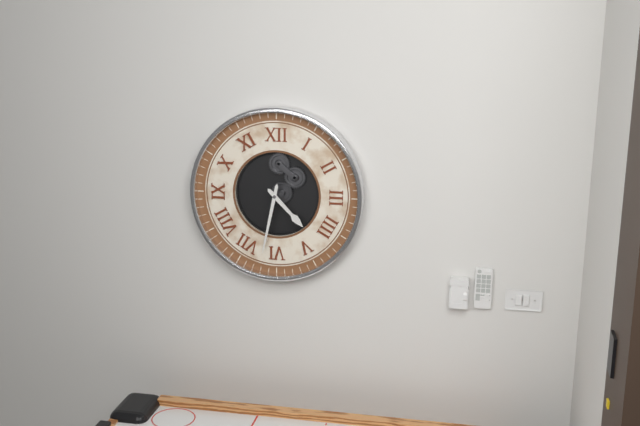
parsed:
4:32
